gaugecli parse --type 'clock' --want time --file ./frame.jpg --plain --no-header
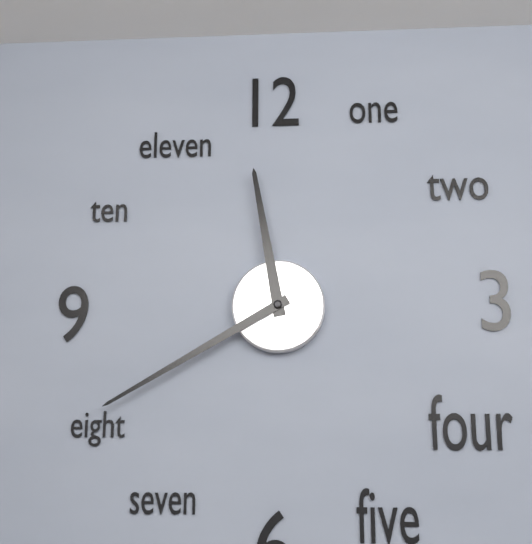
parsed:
11:40
